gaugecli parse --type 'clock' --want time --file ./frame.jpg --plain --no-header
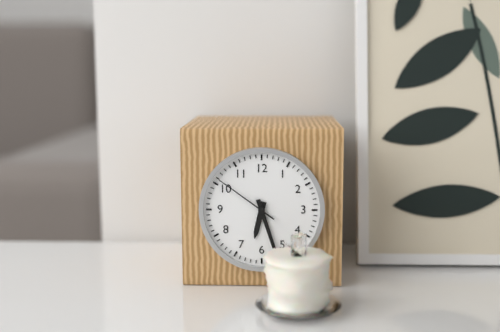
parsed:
6:27:51
